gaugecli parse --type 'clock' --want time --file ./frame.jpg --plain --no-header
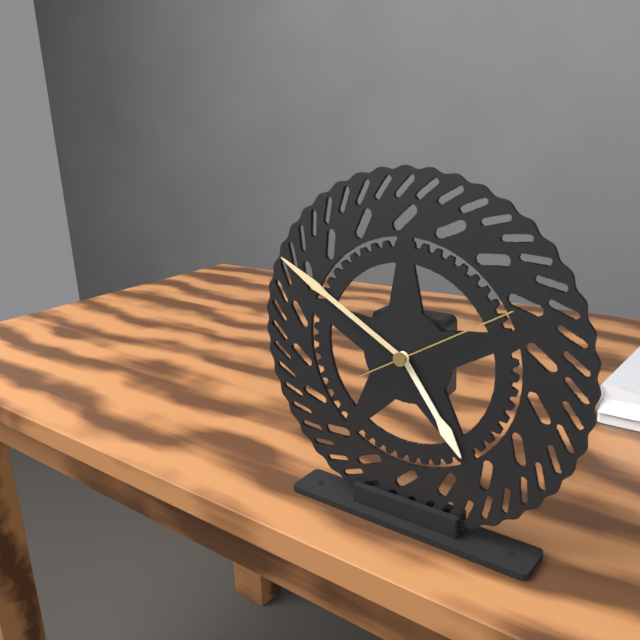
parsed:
4:50:10
